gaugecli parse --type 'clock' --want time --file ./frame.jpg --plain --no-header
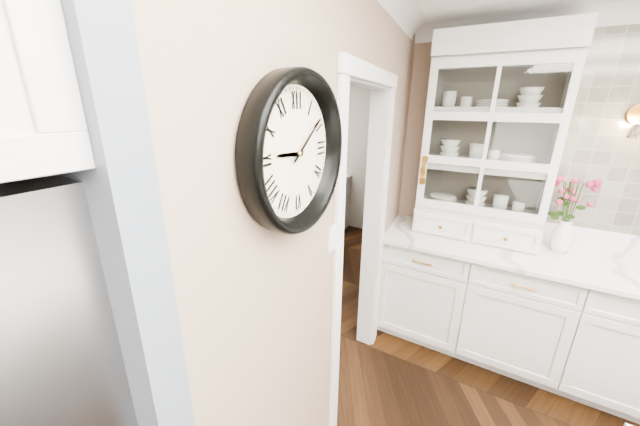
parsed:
9:09
